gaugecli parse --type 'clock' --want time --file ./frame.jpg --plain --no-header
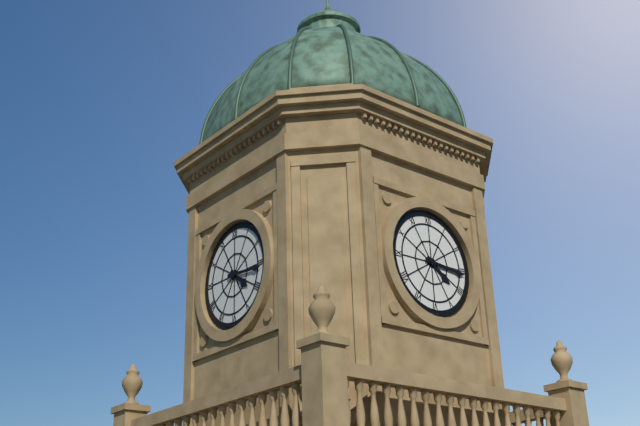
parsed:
4:16
